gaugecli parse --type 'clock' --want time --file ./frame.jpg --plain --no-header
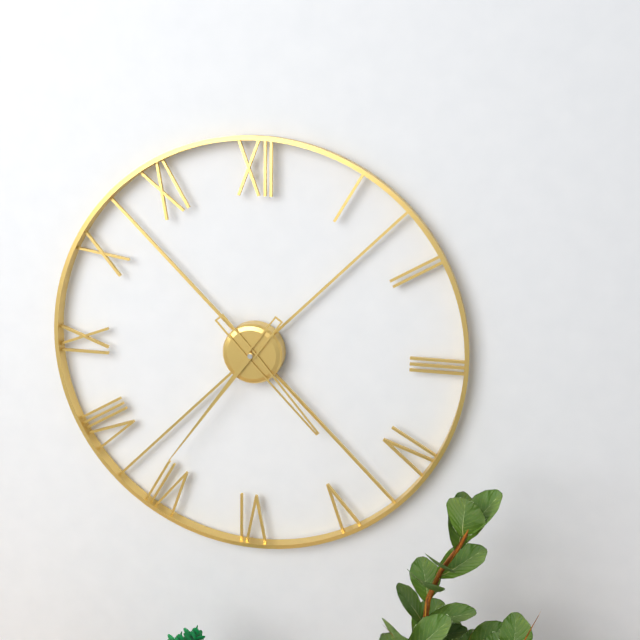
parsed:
4:36
